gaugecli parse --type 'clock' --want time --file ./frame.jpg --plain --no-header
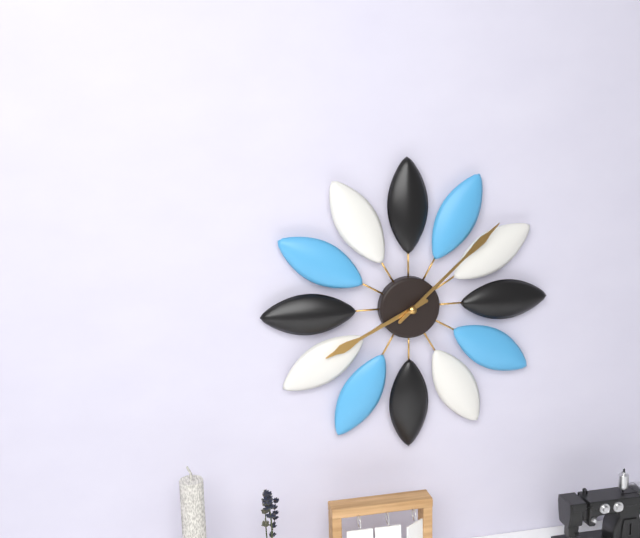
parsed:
8:08
